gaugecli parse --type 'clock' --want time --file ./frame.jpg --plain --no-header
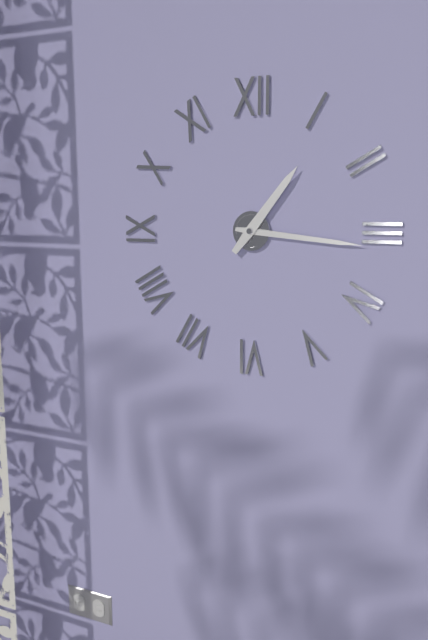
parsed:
1:16
